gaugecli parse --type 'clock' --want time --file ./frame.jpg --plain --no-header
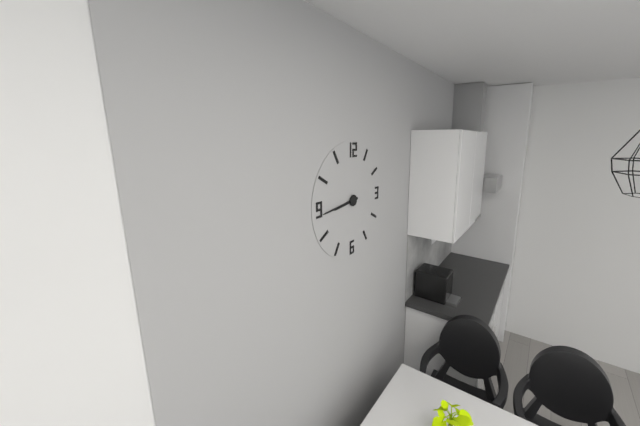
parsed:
8:44
